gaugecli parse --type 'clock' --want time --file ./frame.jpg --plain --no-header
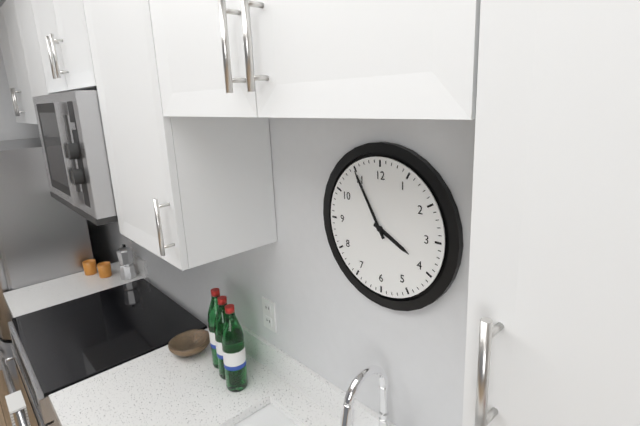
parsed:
3:55
